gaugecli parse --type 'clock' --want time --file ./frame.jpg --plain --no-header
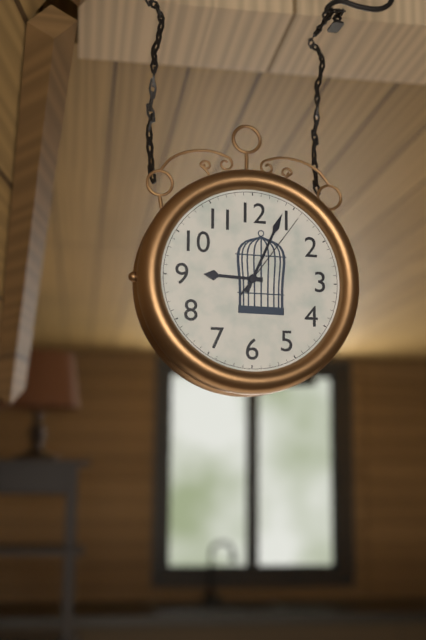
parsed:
9:04:06
